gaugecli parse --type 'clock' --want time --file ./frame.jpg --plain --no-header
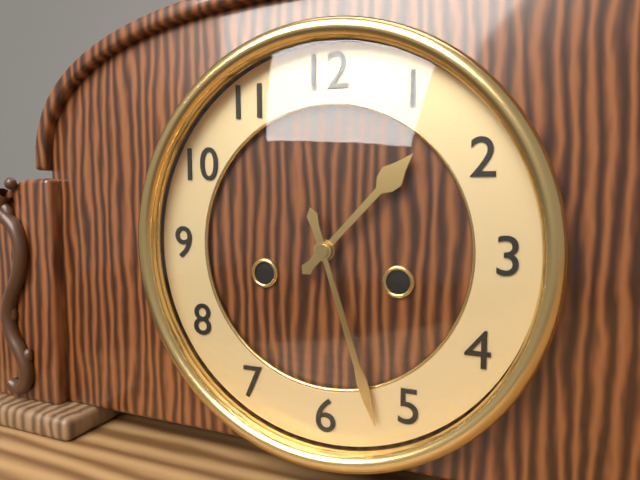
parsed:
1:27
